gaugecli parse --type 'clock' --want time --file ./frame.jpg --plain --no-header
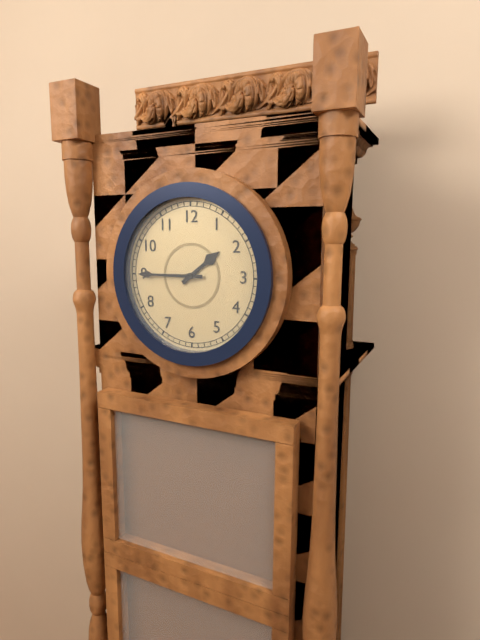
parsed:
1:45
